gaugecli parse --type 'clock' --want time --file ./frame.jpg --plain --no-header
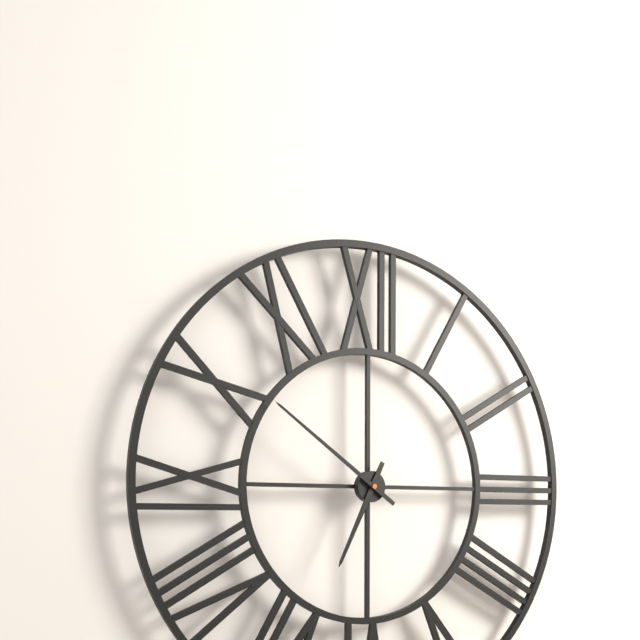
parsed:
6:51
